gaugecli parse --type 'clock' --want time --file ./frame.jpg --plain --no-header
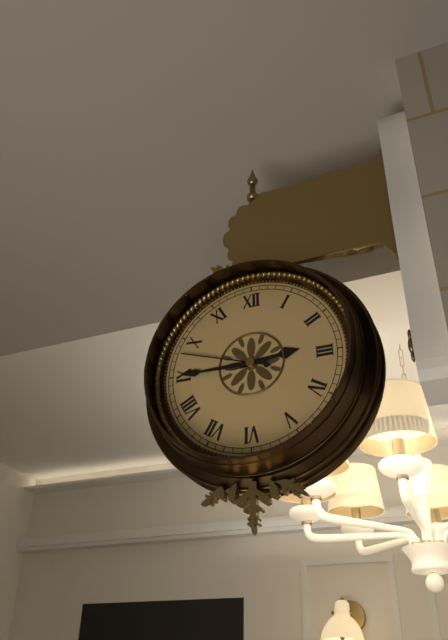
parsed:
2:45:48
